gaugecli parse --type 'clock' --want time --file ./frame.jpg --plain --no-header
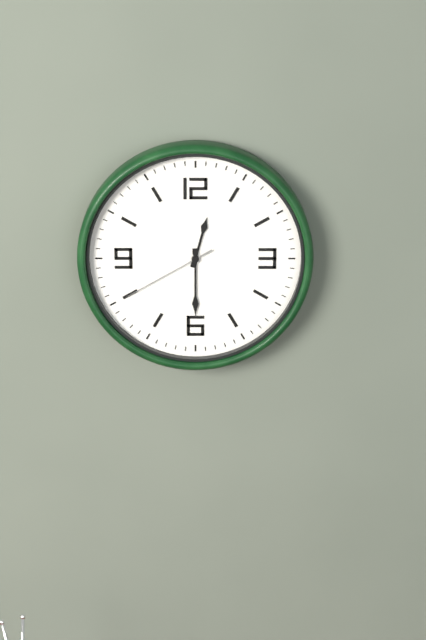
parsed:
12:30:40
